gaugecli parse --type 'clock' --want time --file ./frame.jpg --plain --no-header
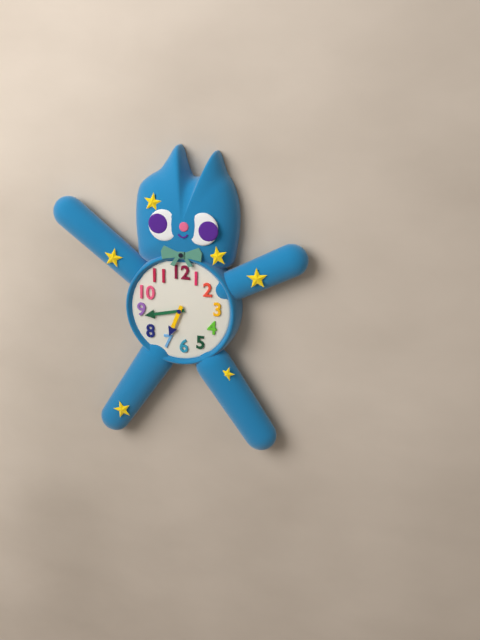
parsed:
6:43
